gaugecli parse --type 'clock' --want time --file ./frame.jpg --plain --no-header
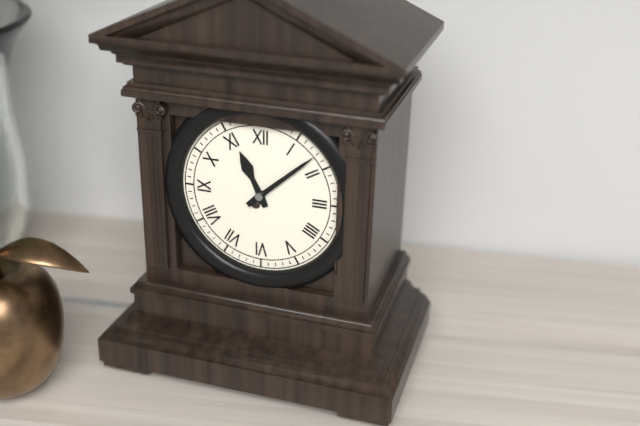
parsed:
11:08
